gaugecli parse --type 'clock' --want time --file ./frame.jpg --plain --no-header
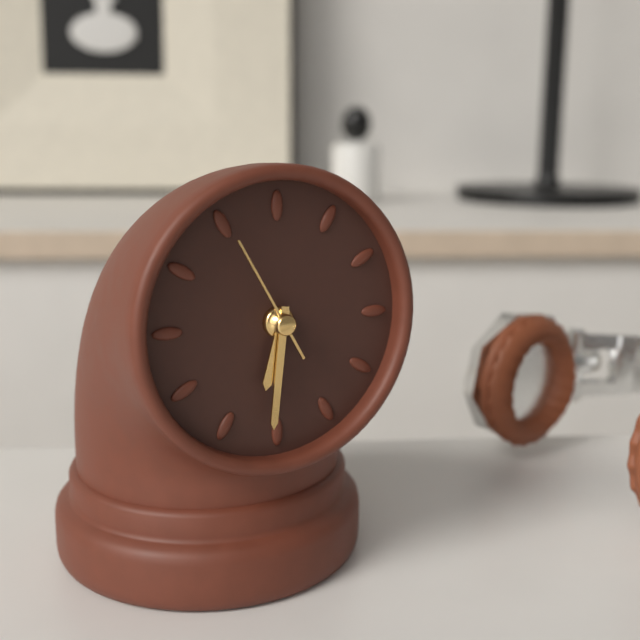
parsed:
6:31:55
